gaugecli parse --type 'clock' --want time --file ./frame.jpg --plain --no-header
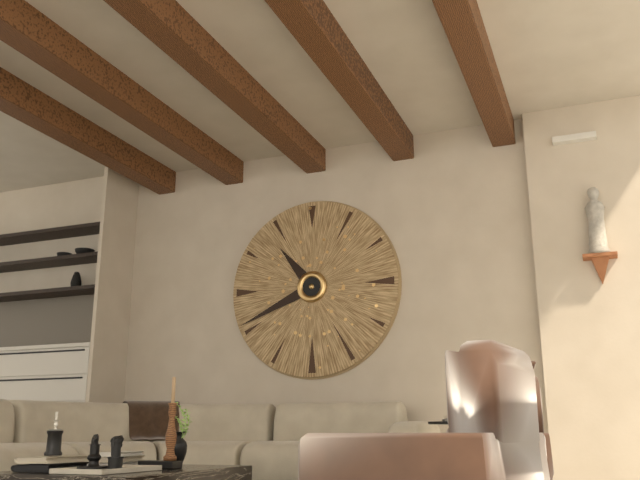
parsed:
10:41
